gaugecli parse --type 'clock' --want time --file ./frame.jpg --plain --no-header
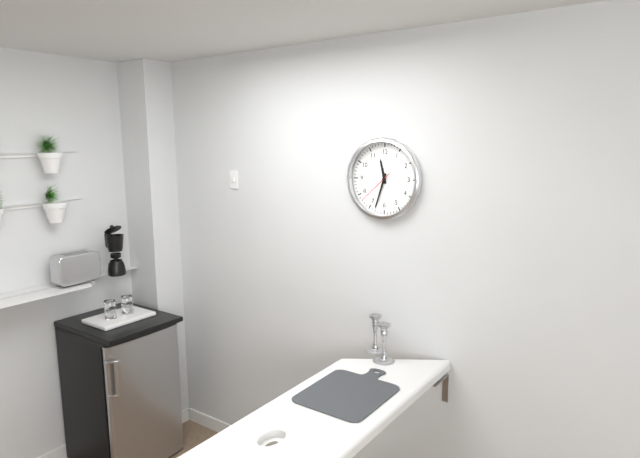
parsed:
11:33
